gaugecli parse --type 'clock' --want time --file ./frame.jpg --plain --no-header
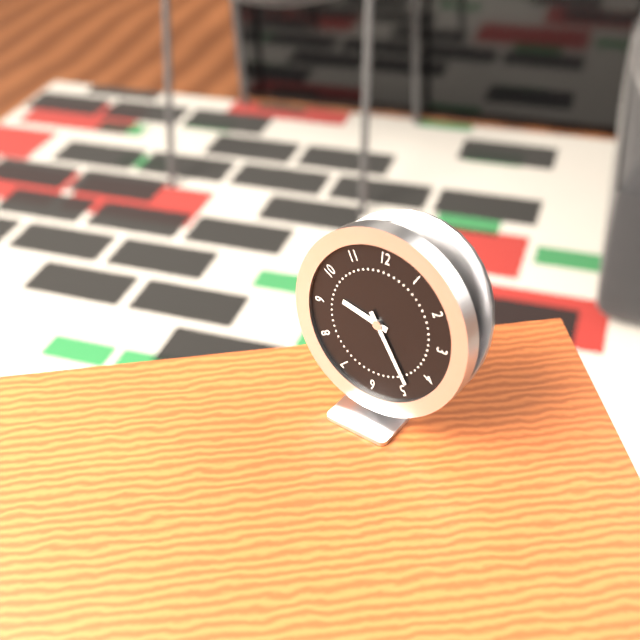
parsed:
9:24
